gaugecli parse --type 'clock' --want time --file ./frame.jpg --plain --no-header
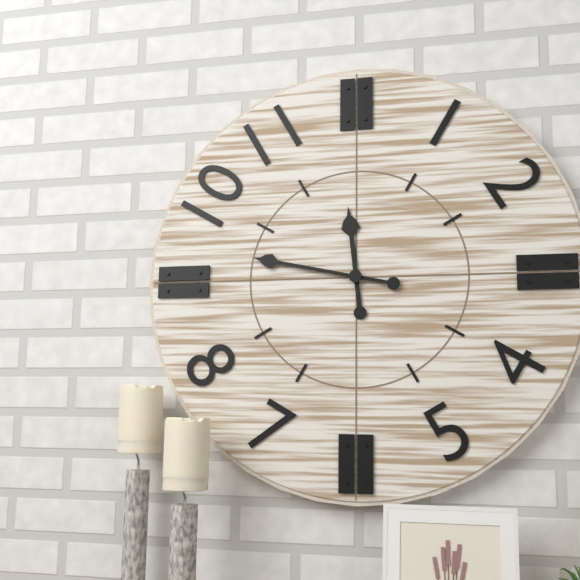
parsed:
11:47
